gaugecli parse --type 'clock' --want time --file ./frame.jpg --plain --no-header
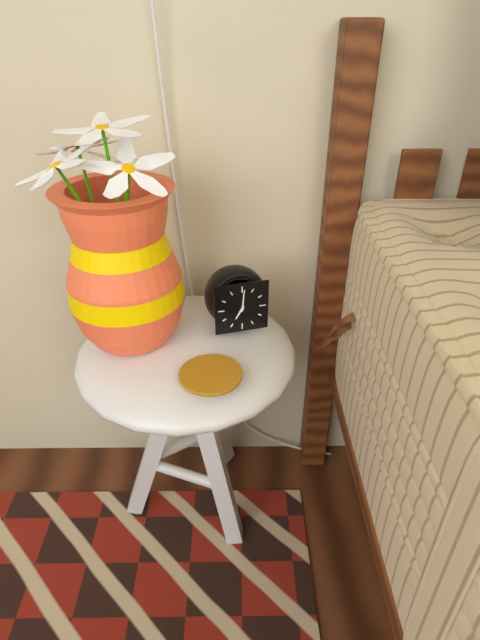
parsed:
7:01
